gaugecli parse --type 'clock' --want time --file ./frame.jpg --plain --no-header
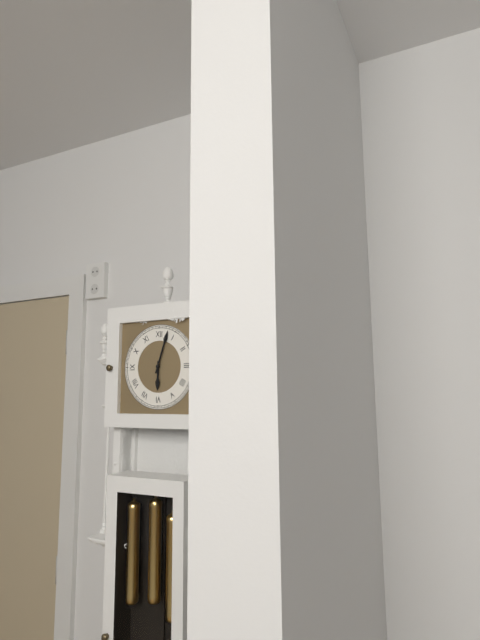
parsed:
6:03
